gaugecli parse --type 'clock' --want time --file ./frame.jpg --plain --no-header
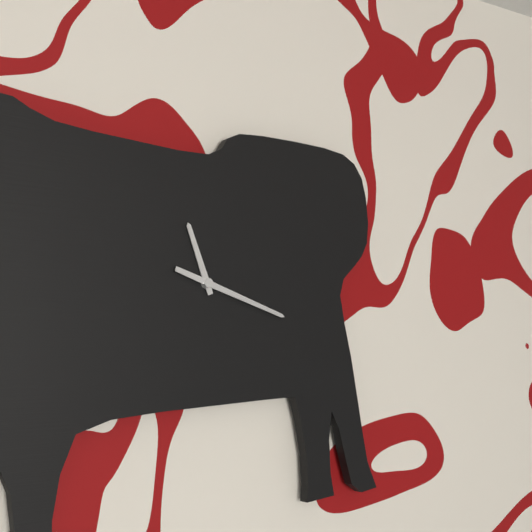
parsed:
11:18
